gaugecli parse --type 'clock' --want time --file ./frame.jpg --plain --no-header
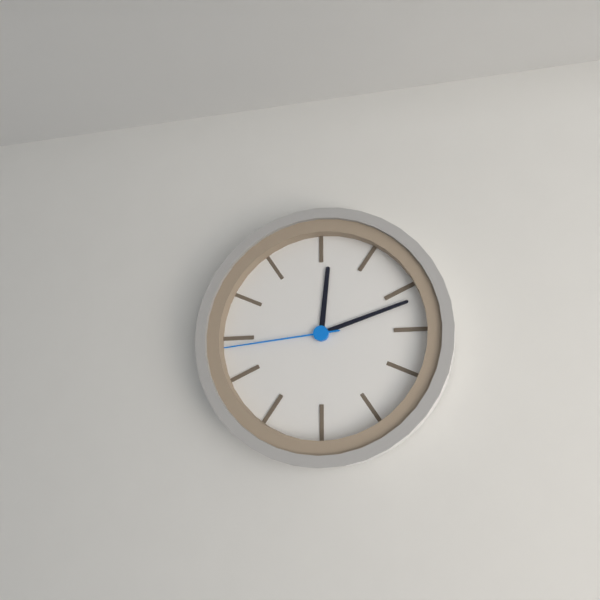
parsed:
12:12:44
